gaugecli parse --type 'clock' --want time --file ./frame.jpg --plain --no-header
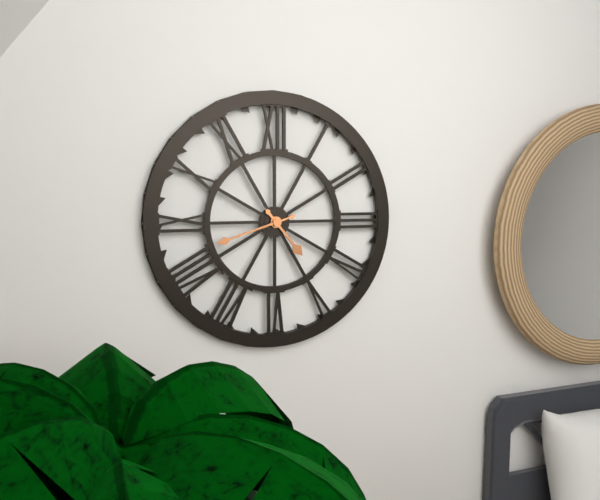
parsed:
4:42
